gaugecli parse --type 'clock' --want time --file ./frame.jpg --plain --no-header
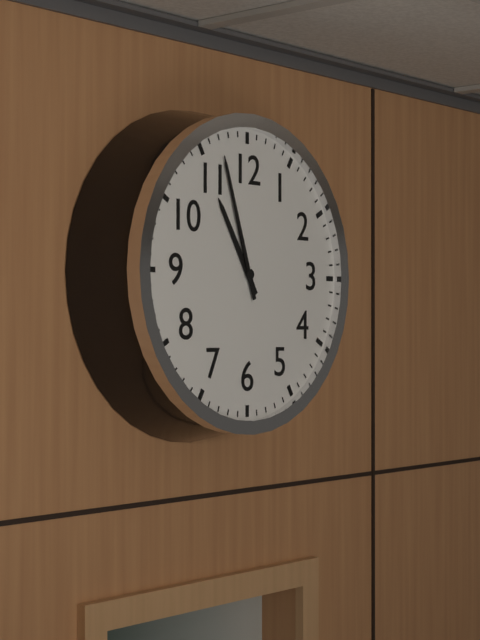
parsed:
10:57
